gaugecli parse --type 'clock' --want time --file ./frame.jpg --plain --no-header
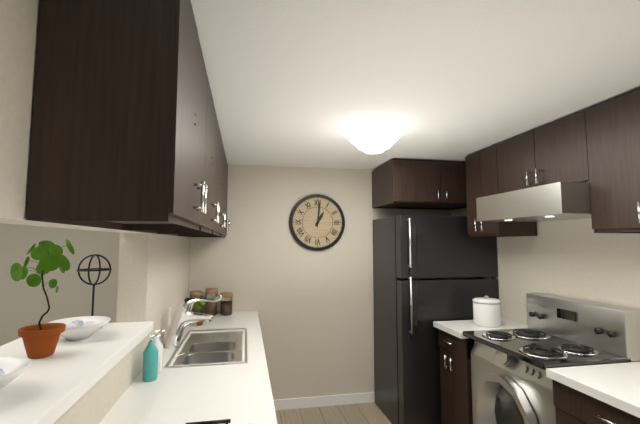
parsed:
1:01
